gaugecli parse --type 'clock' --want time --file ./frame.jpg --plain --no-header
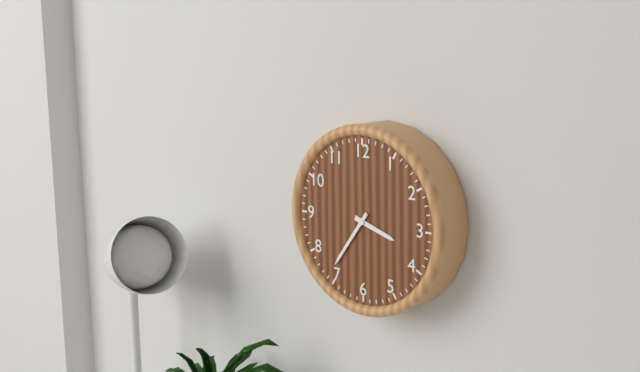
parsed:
3:36
